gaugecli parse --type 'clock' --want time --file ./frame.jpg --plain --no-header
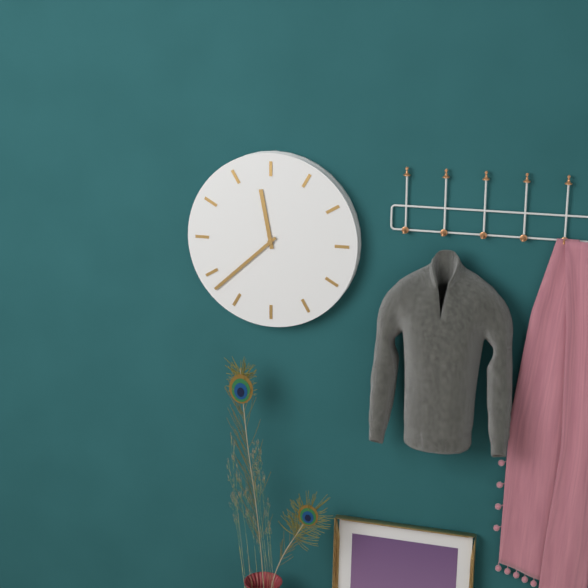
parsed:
11:38
